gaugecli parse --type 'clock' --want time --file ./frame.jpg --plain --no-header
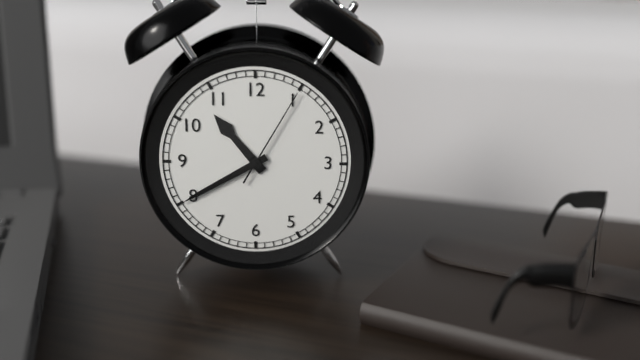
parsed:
10:40:05
